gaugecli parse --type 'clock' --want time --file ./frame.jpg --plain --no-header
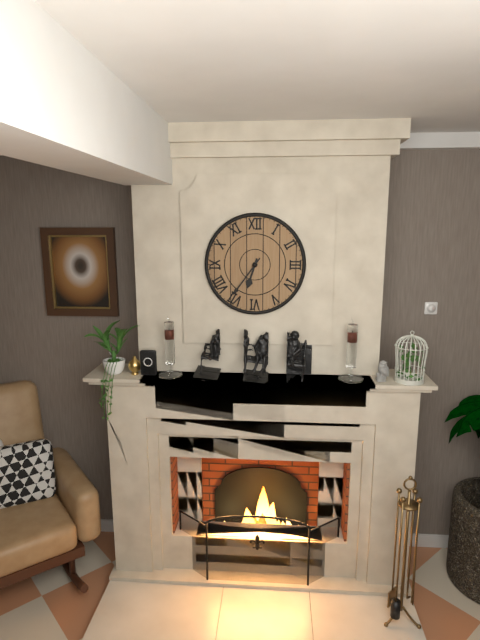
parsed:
6:36
